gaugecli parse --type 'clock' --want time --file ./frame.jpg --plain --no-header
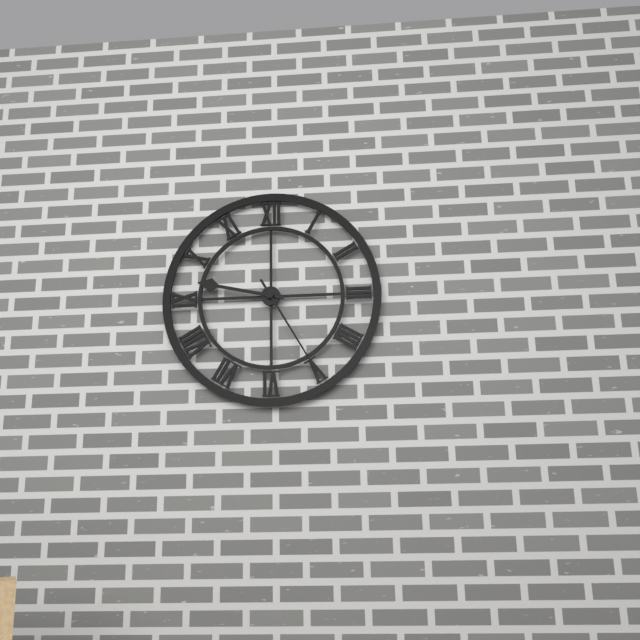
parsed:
9:25
